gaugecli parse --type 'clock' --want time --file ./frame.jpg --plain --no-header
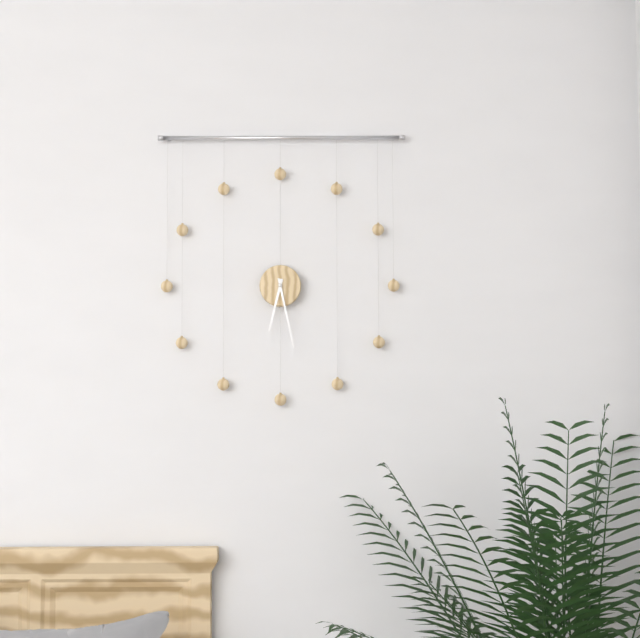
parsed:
6:28
